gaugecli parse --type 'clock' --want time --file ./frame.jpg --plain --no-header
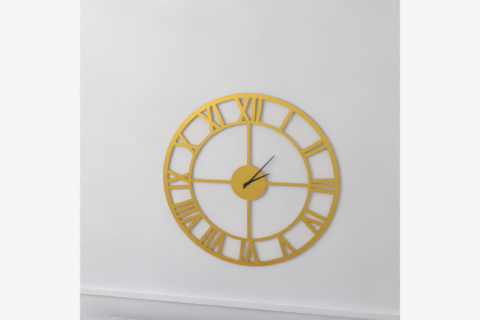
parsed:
2:07
